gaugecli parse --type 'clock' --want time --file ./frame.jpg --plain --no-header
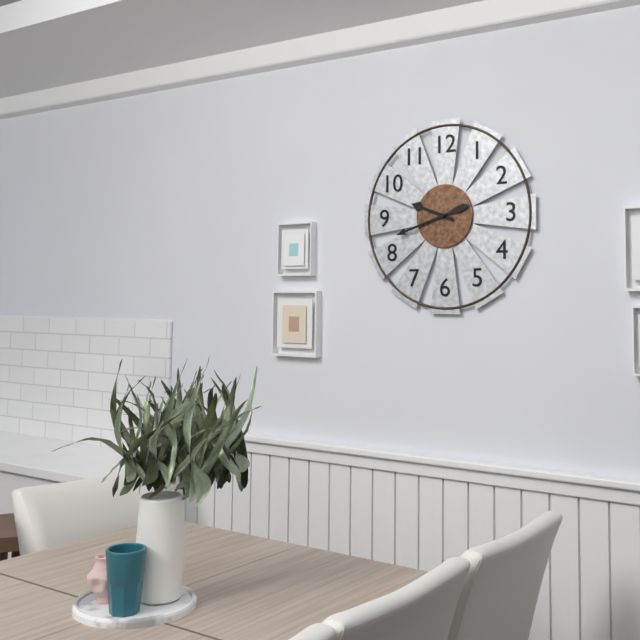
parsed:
9:42
